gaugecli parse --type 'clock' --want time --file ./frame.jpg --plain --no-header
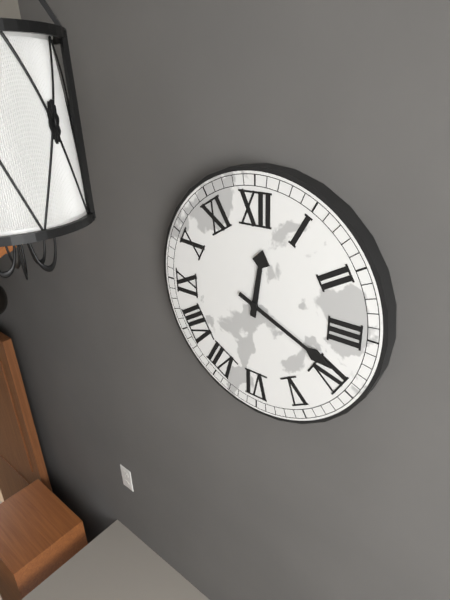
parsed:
12:19
